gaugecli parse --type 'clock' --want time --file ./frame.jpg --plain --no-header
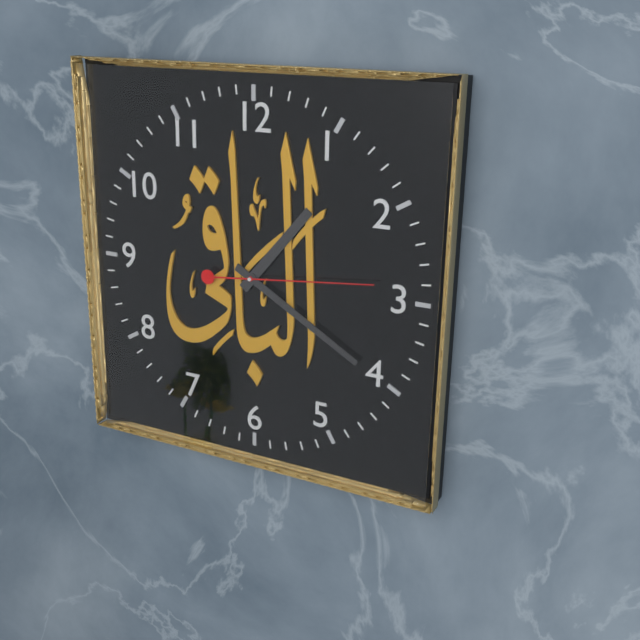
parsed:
1:20:14
